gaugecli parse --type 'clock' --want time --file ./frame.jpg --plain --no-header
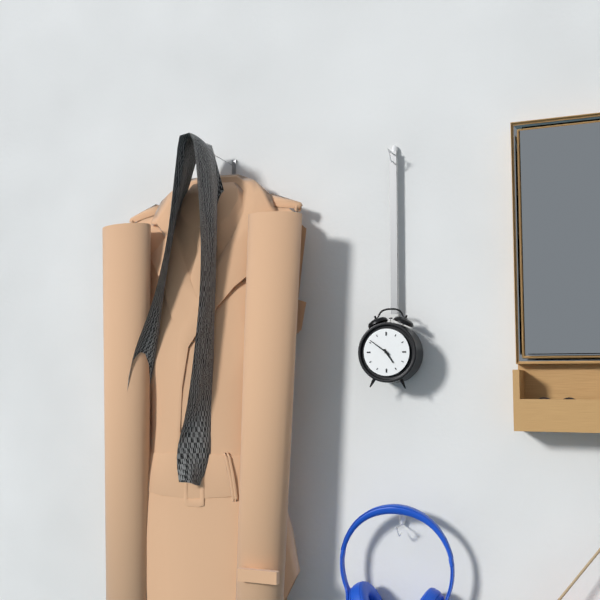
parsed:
4:51
